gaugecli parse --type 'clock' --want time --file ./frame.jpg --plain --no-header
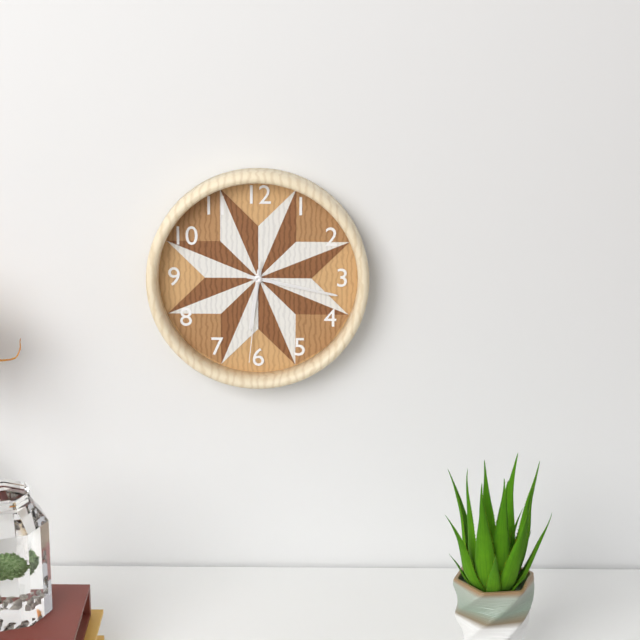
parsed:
6:17:31
